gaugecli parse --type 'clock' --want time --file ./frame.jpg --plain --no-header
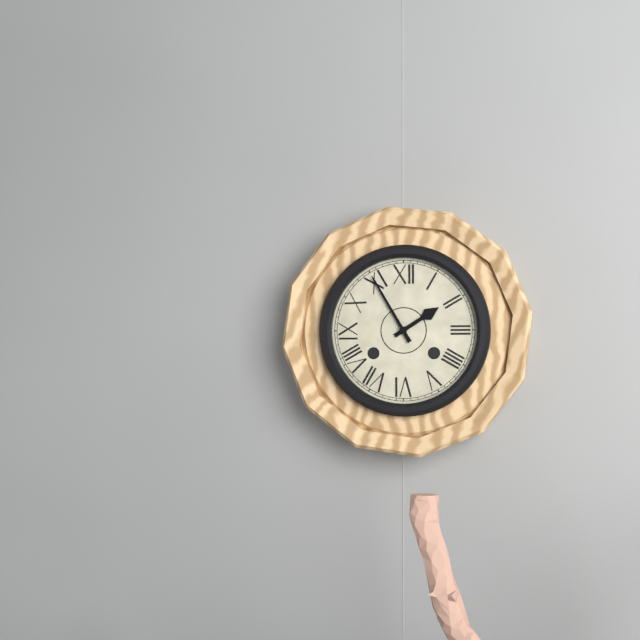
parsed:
1:55
